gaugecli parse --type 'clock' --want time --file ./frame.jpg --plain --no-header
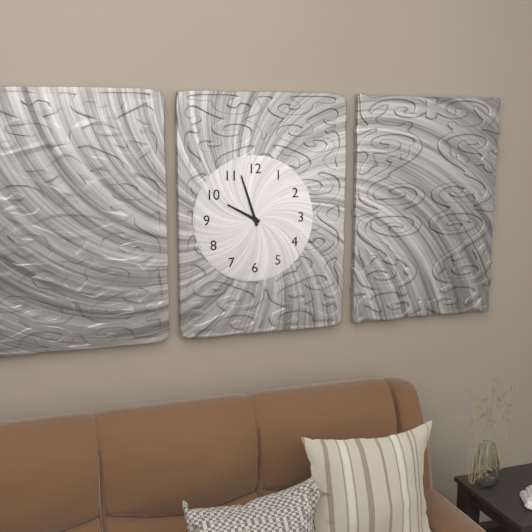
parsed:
9:57
